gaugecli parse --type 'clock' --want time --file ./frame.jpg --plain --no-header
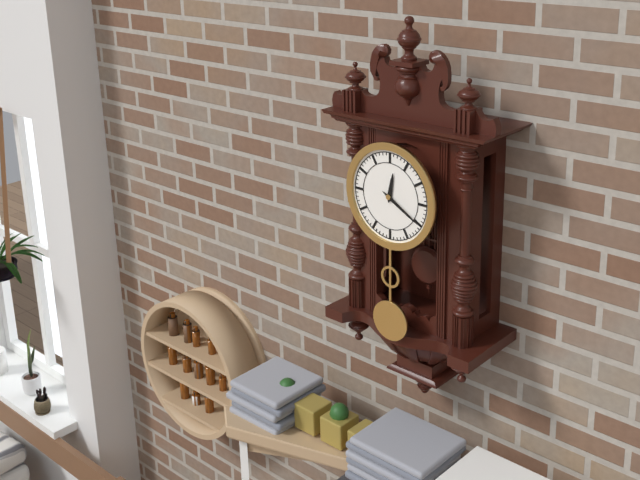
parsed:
12:20
